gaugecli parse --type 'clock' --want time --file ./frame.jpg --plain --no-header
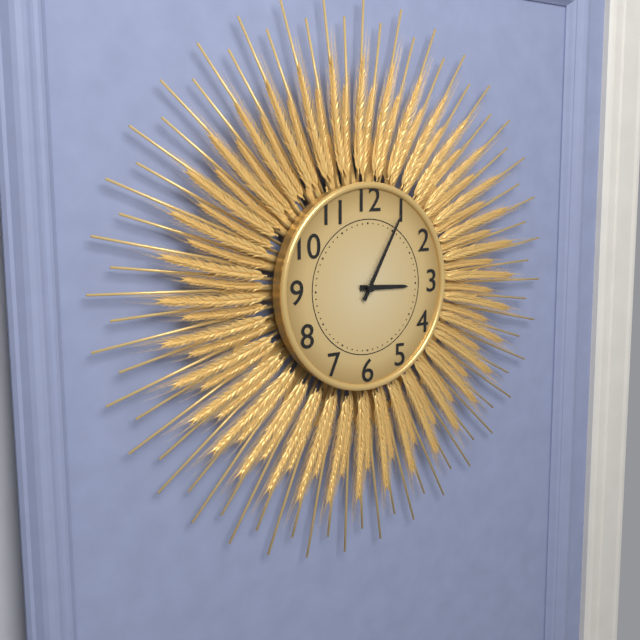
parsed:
3:05
